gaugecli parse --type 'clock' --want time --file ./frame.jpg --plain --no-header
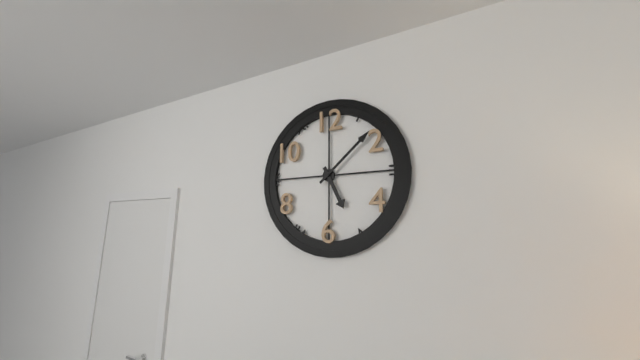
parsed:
5:08
